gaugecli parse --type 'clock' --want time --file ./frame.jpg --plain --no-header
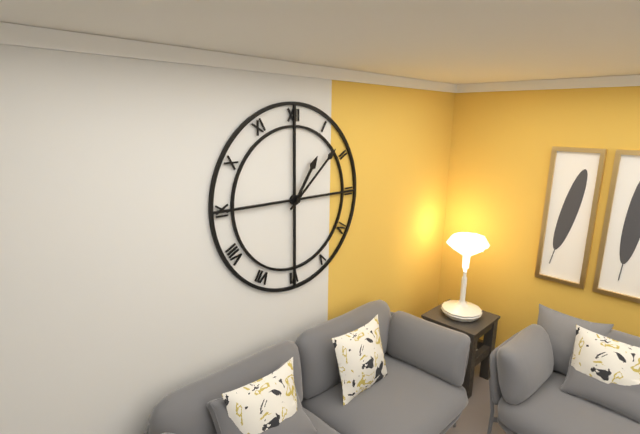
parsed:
1:08
